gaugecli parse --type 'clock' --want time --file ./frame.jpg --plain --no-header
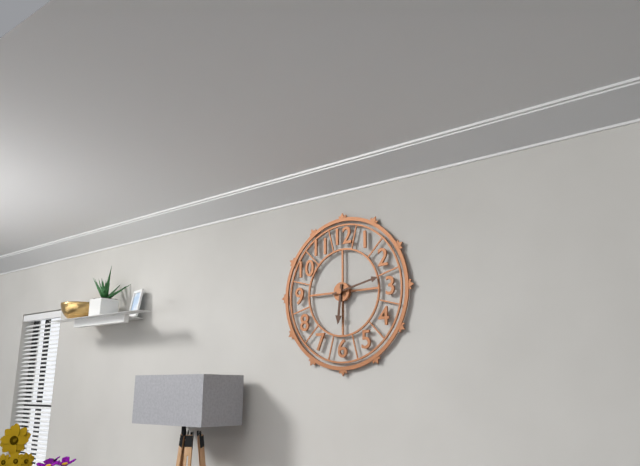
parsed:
6:13
